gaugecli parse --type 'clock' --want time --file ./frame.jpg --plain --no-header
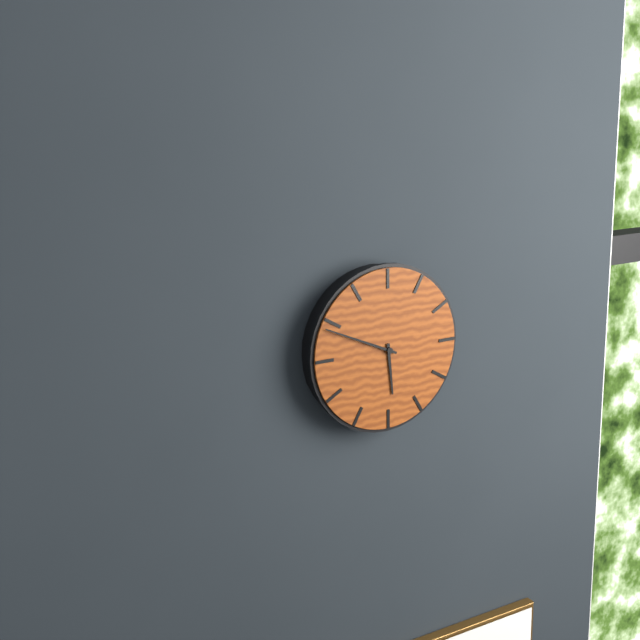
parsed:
5:49
